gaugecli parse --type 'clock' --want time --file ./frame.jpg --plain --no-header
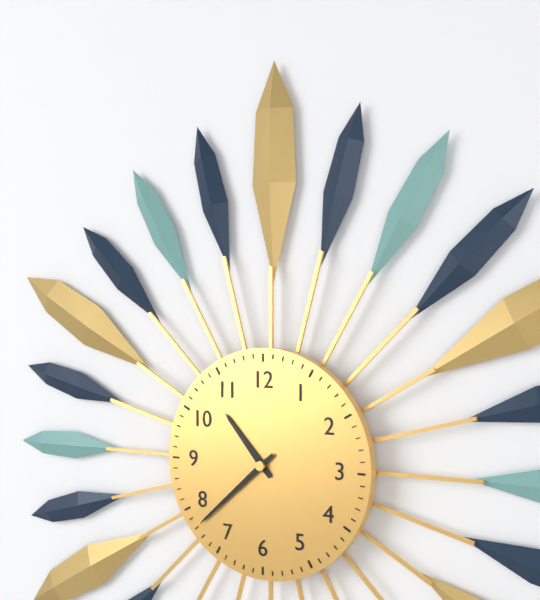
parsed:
10:38
